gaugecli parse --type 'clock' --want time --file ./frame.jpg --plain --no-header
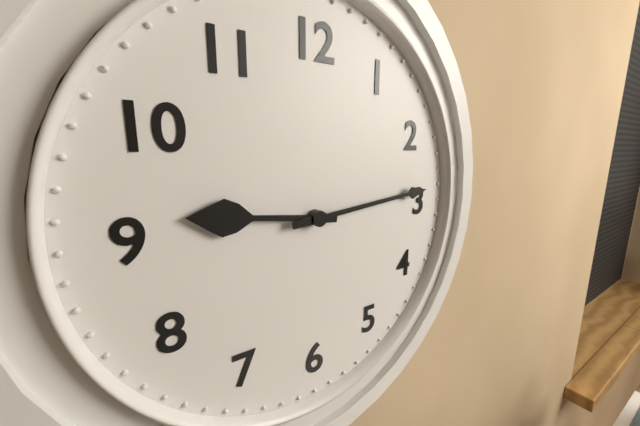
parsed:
9:14
